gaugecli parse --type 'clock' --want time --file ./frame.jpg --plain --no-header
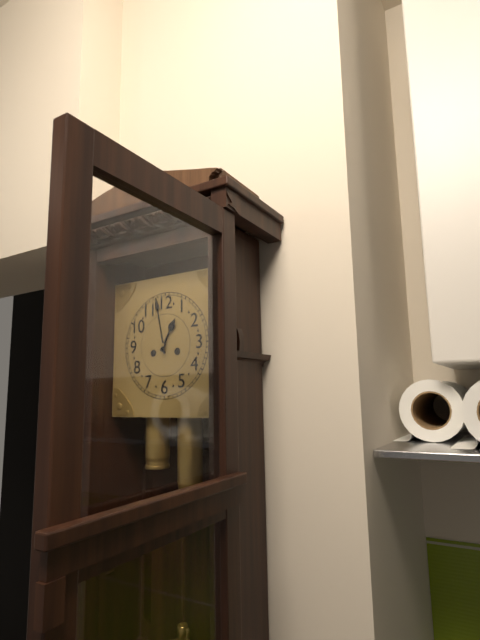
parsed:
12:58
